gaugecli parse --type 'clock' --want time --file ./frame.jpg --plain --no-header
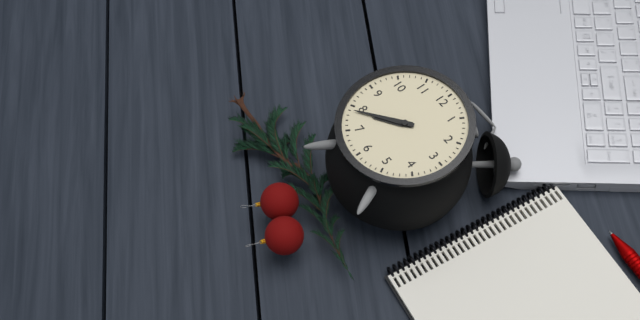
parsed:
7:39
